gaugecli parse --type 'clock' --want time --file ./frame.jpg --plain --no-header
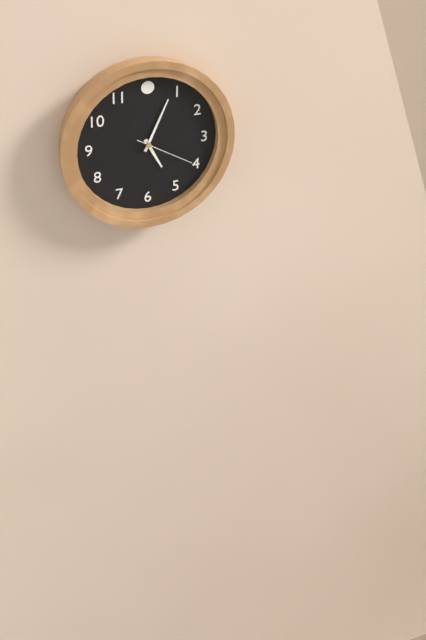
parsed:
5:04:20
